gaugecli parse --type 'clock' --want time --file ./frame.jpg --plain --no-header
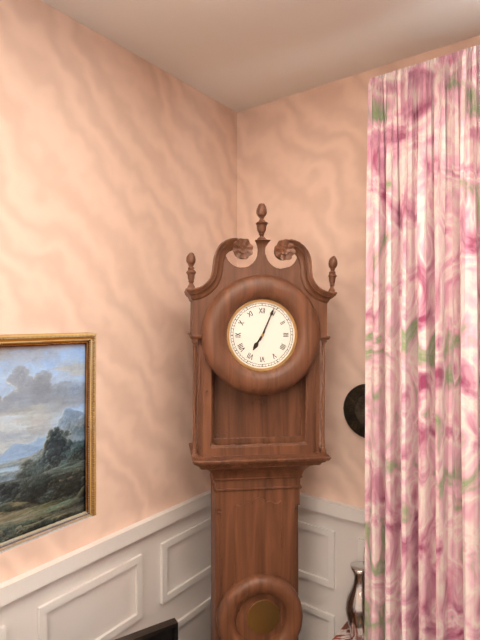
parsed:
7:04
